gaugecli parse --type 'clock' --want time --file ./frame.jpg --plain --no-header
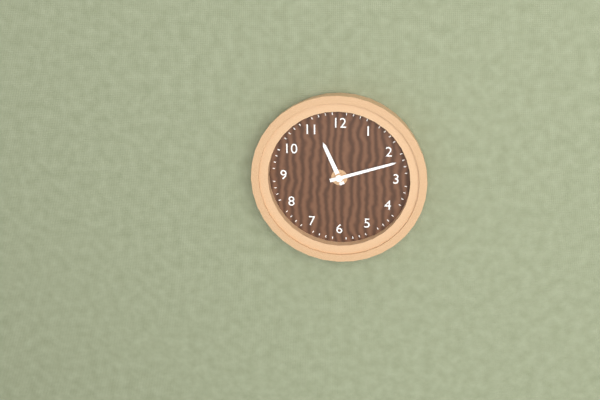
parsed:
11:12
